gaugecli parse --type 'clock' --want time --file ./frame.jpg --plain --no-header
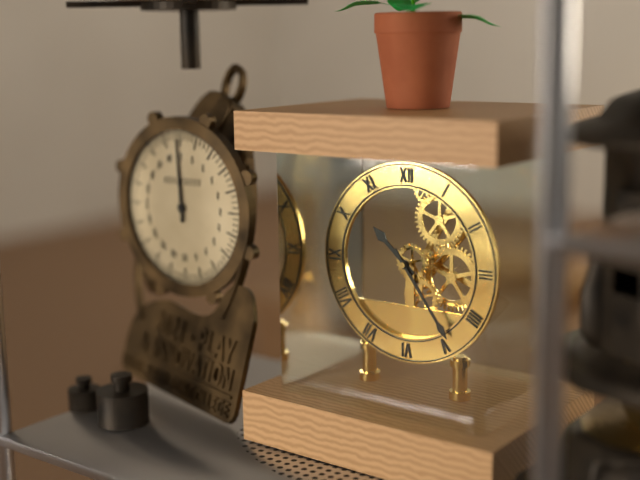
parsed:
10:24
